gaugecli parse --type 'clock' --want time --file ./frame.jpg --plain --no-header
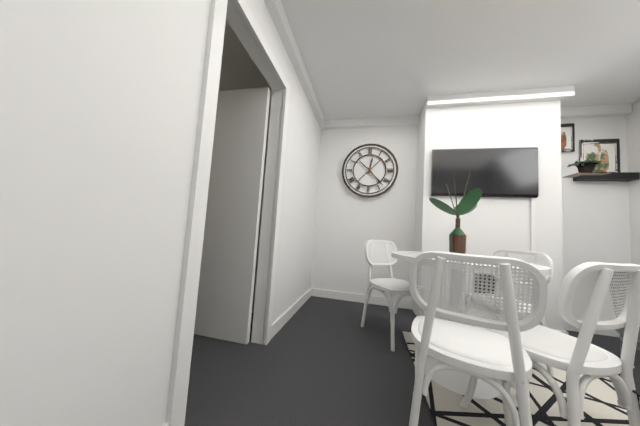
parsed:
12:23
